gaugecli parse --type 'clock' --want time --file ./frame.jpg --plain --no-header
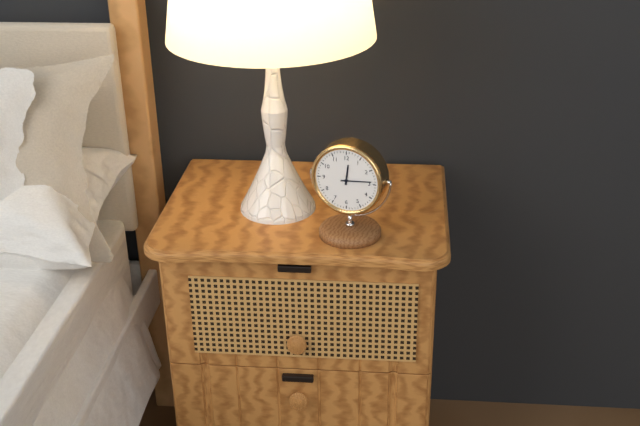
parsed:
12:14
